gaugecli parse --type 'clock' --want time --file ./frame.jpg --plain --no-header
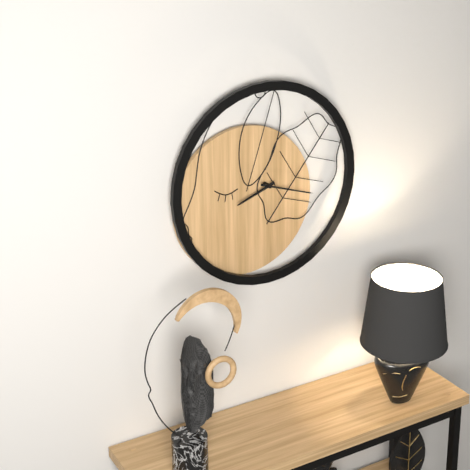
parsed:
8:18
